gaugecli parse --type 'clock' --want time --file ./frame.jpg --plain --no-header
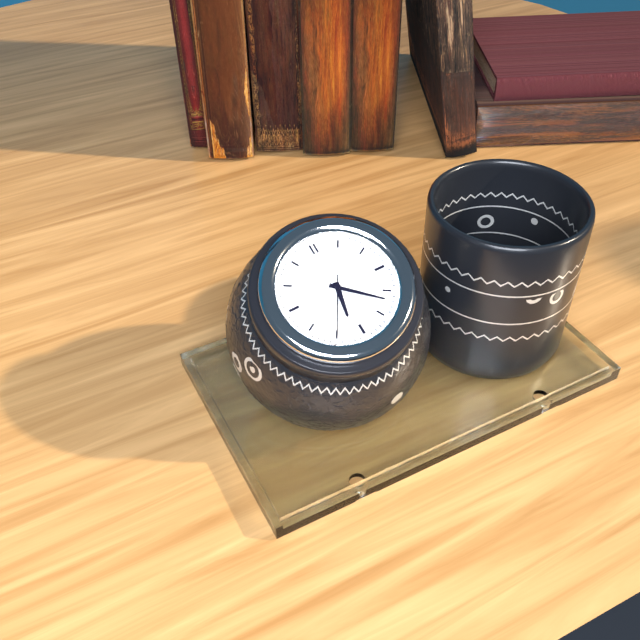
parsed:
6:22:35
